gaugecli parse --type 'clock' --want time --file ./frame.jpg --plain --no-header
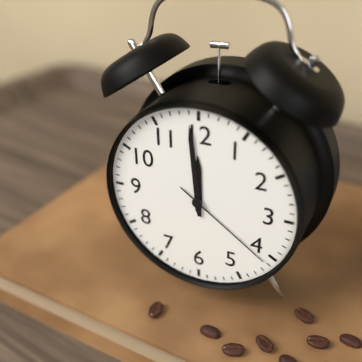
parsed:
11:59:21
